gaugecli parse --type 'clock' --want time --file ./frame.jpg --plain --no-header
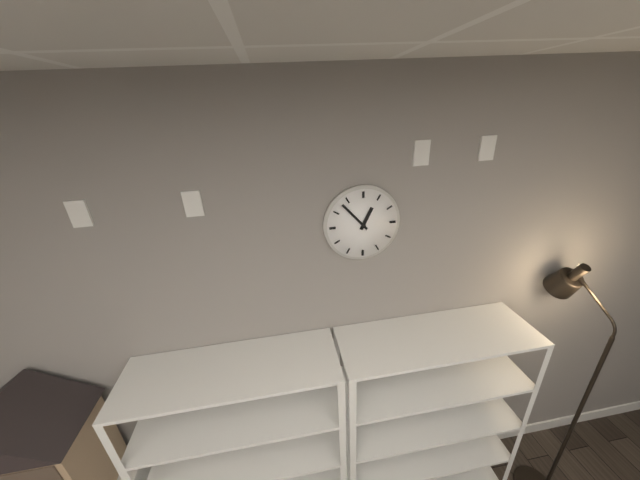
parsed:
12:53
